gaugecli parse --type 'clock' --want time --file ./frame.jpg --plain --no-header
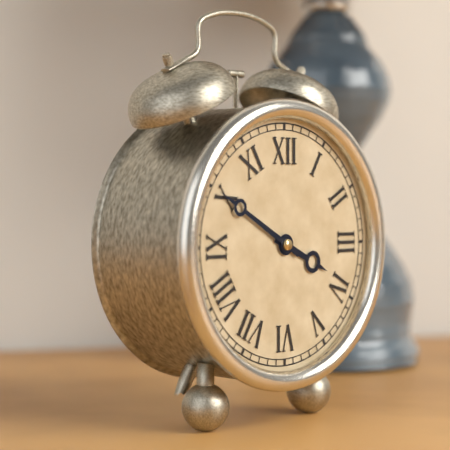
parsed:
3:50
